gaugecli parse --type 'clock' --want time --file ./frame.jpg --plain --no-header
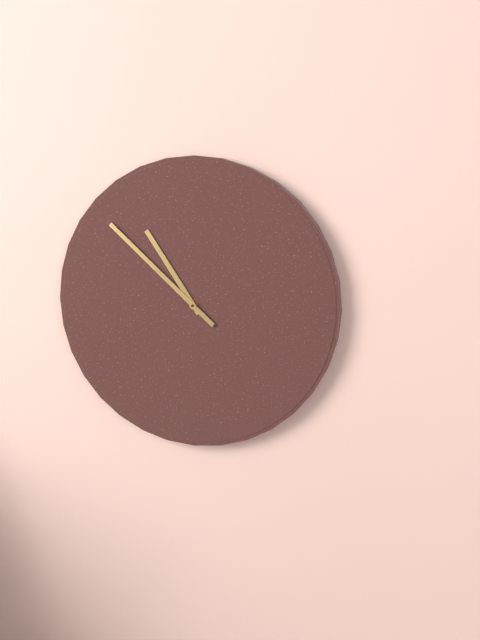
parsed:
10:52
